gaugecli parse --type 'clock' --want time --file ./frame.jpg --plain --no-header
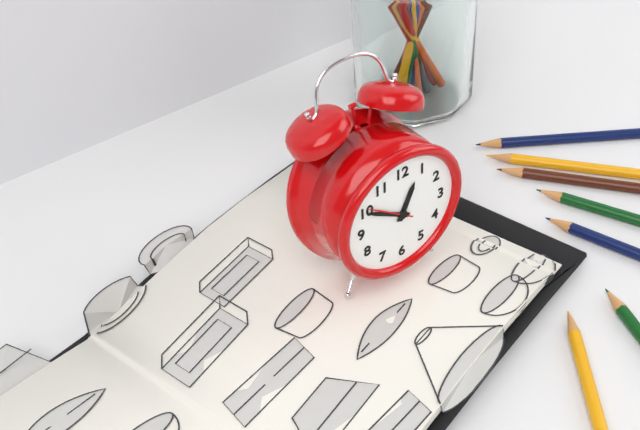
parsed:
12:50
